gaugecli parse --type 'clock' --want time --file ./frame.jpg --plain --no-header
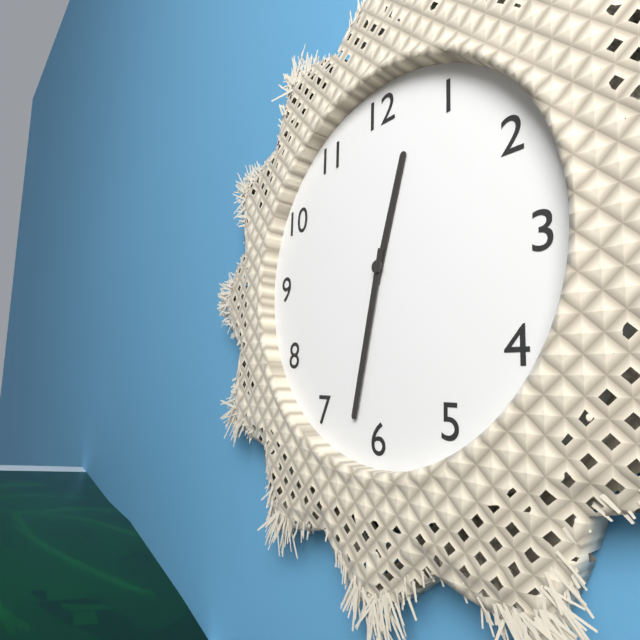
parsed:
12:32
